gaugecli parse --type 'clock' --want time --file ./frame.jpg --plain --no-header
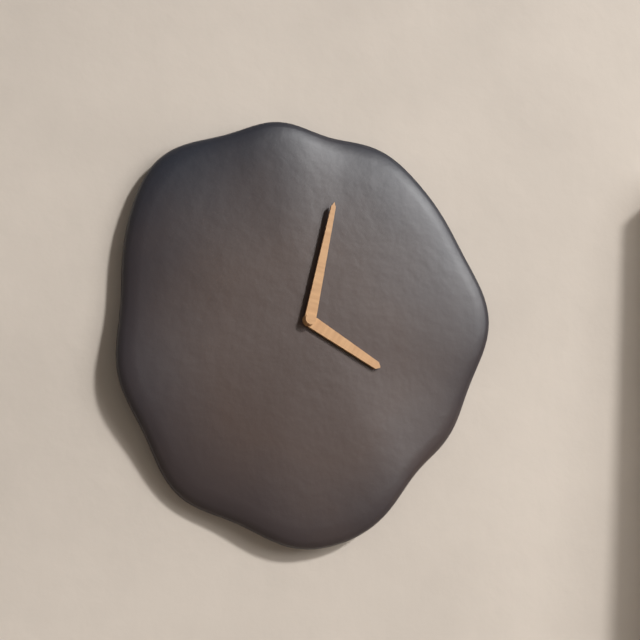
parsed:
4:02
